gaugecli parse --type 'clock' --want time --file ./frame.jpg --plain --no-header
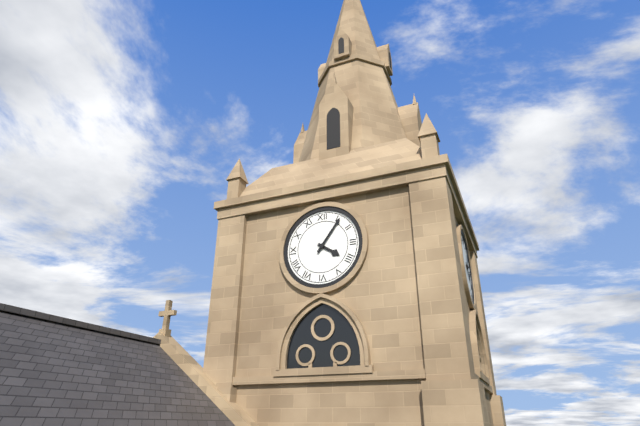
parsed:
4:06
